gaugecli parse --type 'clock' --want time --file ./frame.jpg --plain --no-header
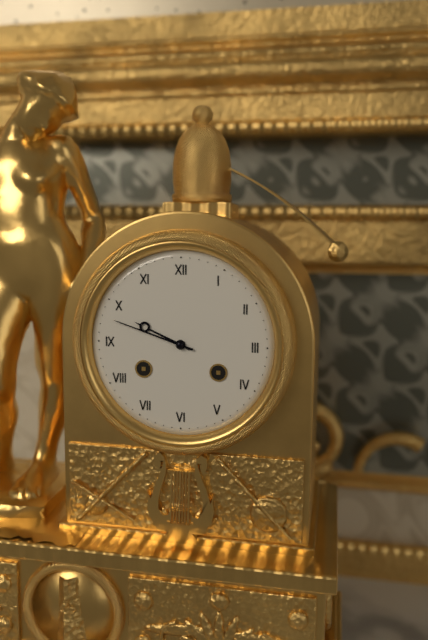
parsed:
9:48
